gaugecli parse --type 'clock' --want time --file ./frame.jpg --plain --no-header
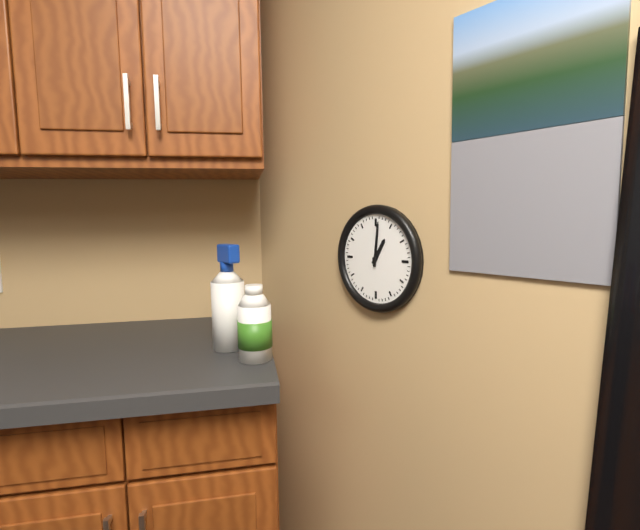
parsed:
1:01
